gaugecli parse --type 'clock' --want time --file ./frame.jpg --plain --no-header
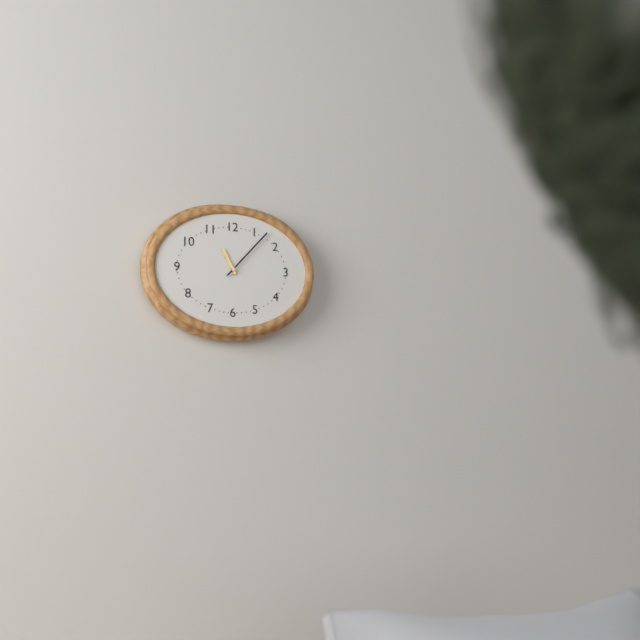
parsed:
11:07
